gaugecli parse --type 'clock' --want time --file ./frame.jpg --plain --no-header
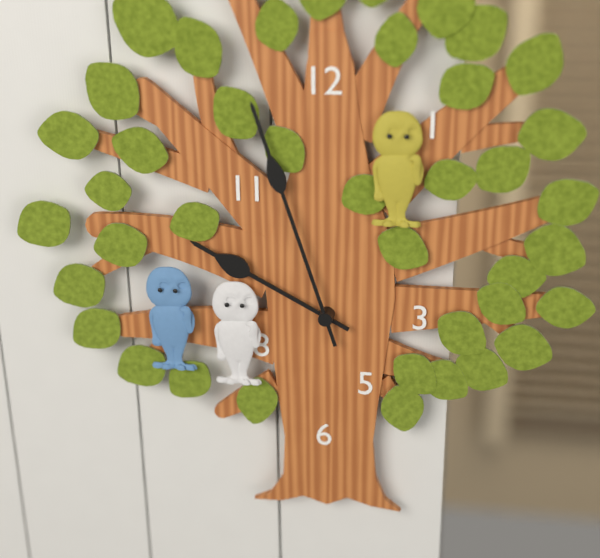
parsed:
9:57
